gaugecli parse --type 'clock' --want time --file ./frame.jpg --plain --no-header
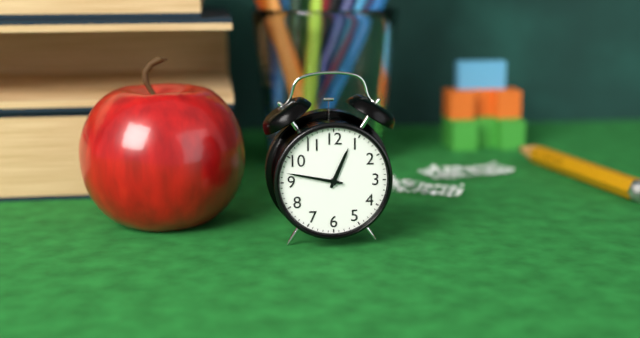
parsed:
12:47
